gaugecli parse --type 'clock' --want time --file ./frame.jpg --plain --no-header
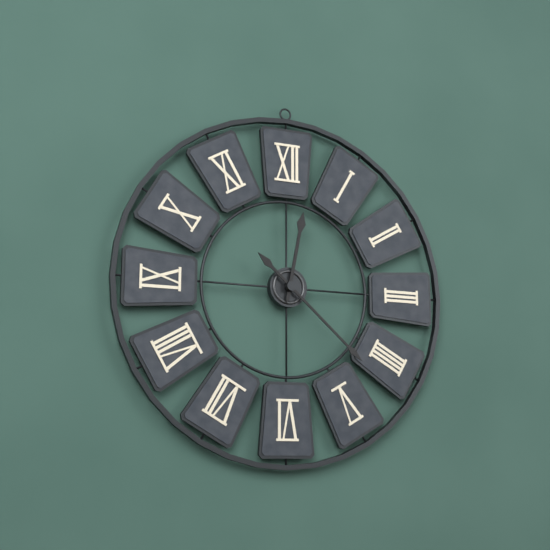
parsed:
12:22
